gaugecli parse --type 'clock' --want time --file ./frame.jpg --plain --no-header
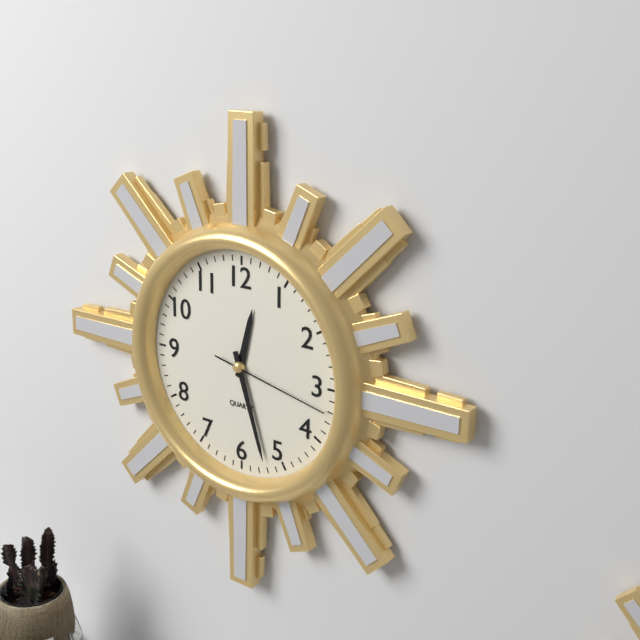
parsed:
12:27:17
